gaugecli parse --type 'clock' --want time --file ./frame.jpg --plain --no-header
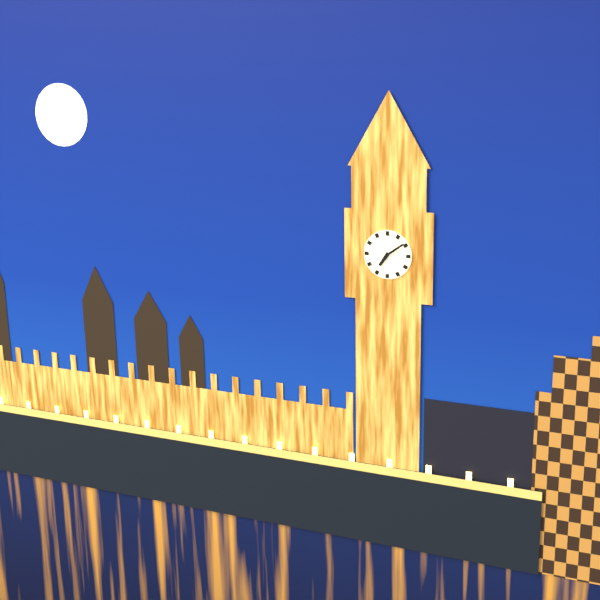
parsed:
7:09
